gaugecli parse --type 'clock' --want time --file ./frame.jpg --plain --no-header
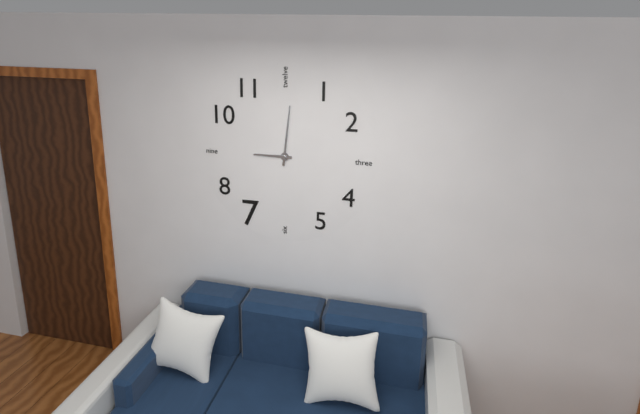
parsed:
9:01
